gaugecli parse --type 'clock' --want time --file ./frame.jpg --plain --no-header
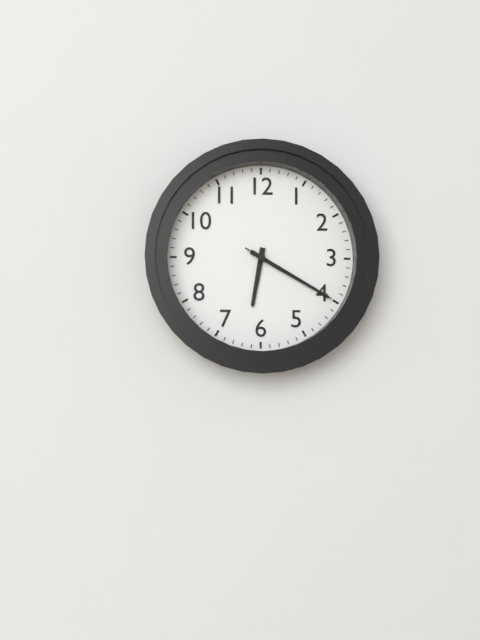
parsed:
6:20:20
